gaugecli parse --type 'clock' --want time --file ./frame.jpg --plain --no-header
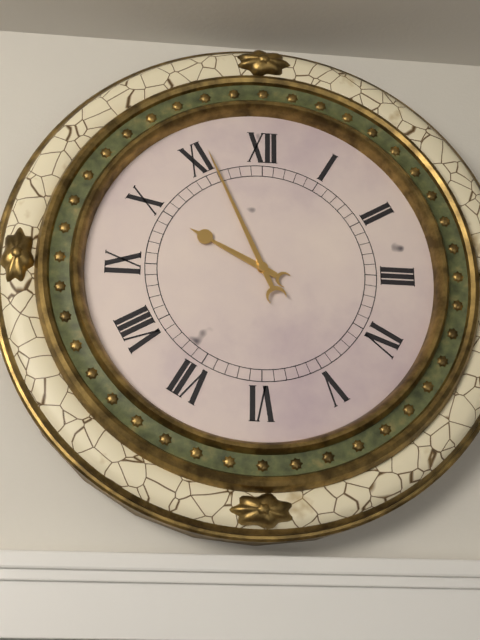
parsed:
9:56
